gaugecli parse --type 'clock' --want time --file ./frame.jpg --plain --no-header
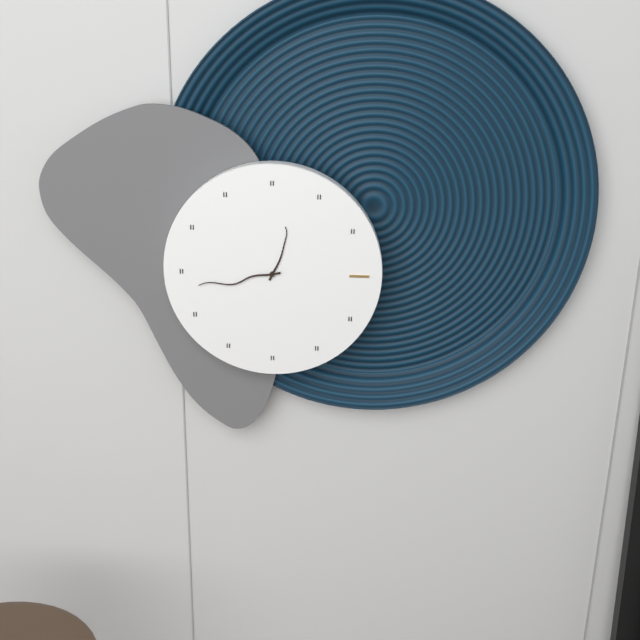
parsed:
12:43
